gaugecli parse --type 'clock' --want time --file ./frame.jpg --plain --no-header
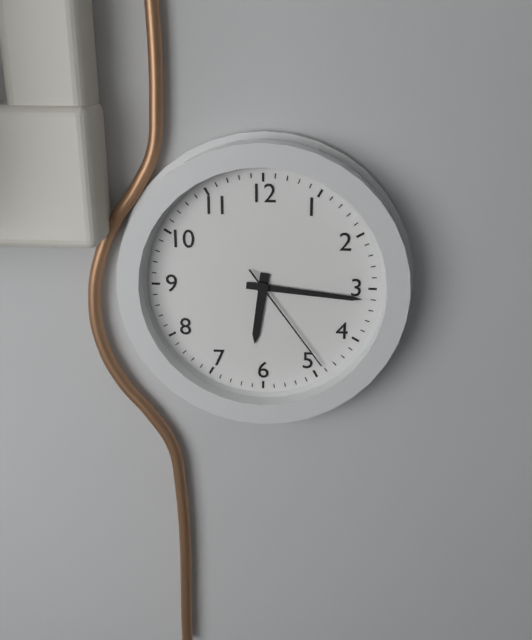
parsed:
6:16:24
